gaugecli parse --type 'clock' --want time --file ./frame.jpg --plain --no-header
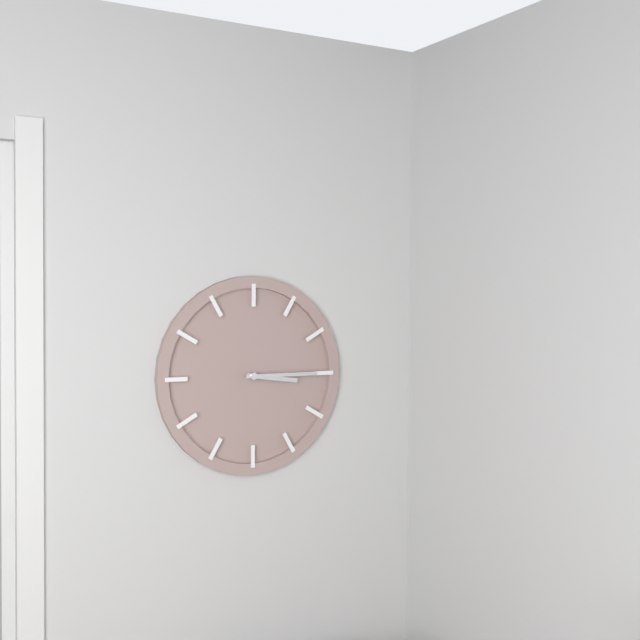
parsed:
3:15
